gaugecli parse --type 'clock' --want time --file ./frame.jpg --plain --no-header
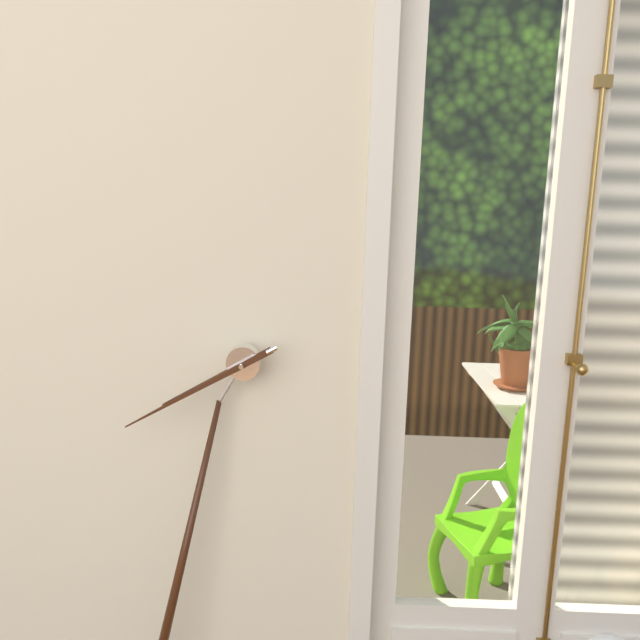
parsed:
7:38
